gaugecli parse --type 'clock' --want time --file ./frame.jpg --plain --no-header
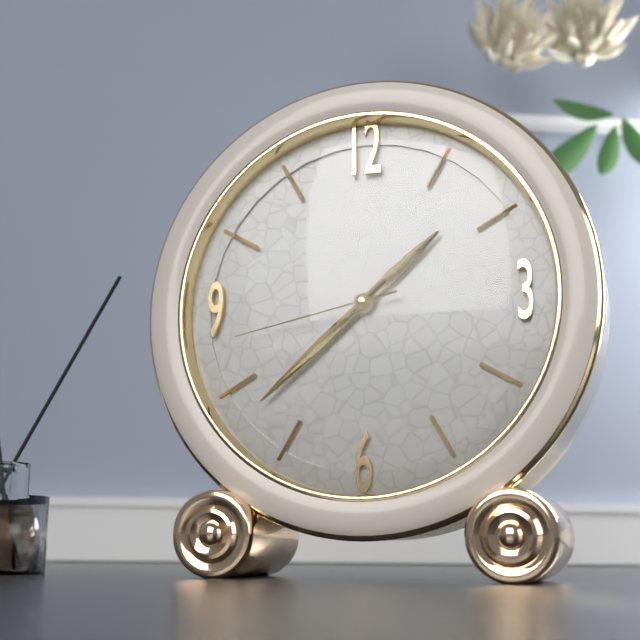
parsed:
1:38:43
